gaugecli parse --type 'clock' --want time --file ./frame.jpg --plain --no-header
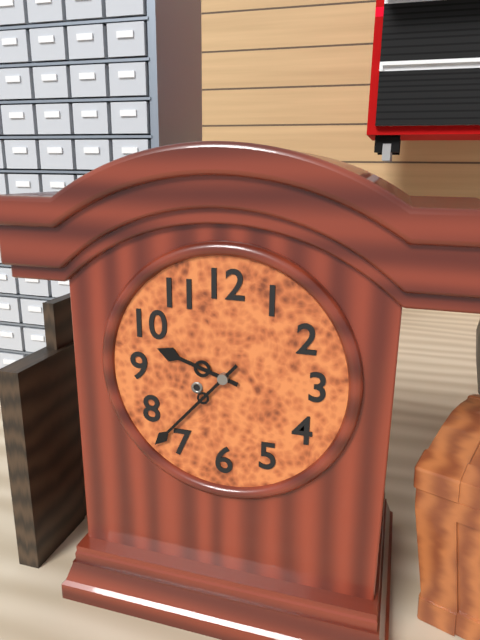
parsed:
9:37
